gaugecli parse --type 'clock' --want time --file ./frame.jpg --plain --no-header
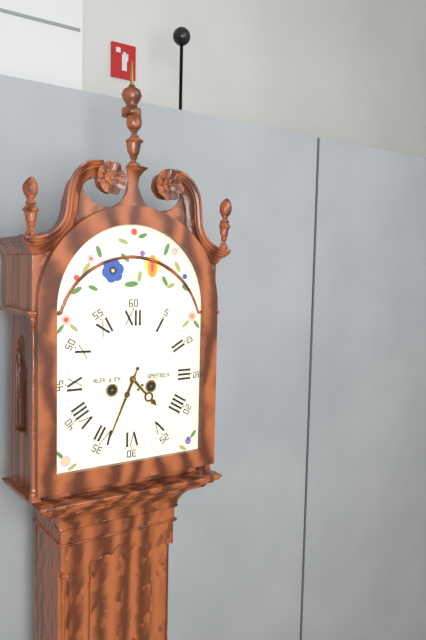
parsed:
4:34
